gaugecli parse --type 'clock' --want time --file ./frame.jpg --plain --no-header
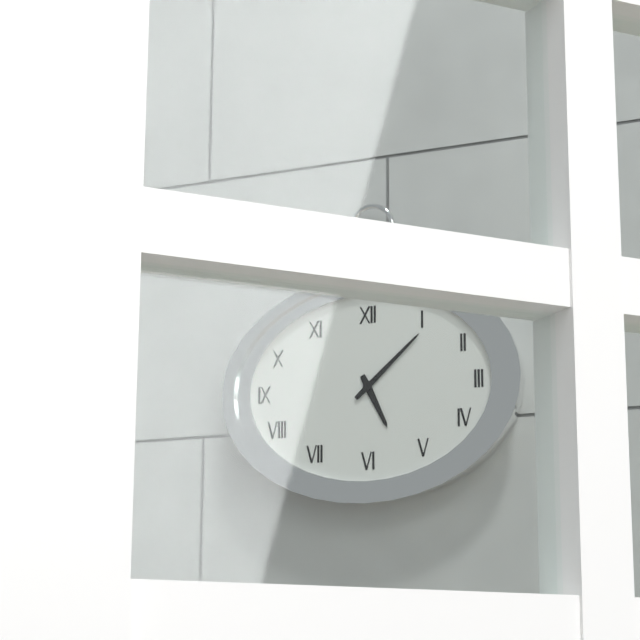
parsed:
5:08
